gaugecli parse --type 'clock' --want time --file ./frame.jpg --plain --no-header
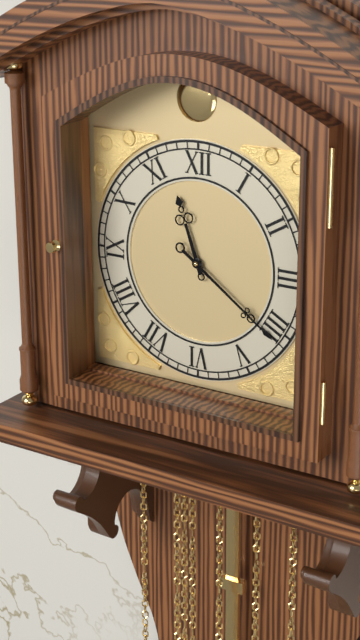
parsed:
11:21
